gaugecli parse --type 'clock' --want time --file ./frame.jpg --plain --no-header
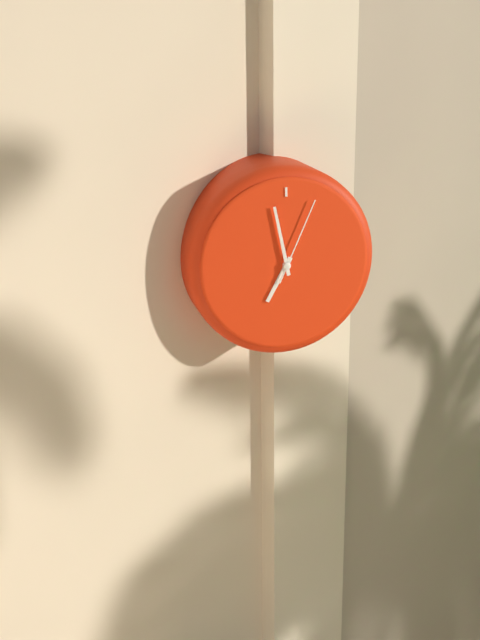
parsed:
6:58:04
